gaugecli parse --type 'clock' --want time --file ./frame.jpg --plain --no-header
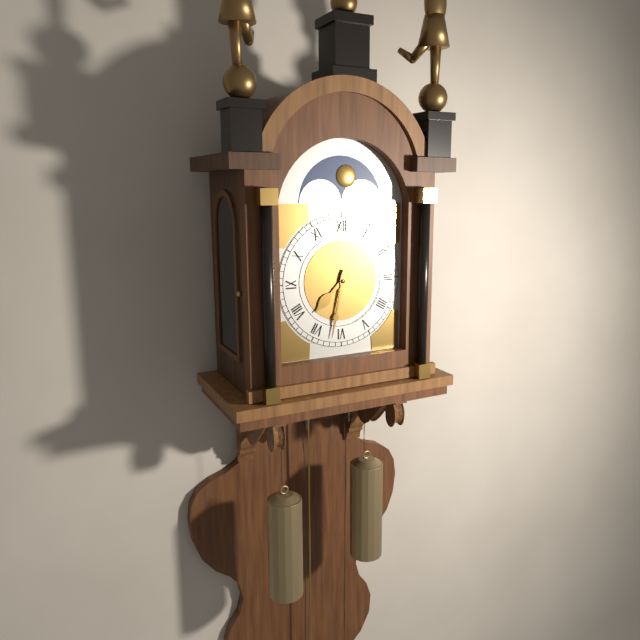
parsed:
7:32
